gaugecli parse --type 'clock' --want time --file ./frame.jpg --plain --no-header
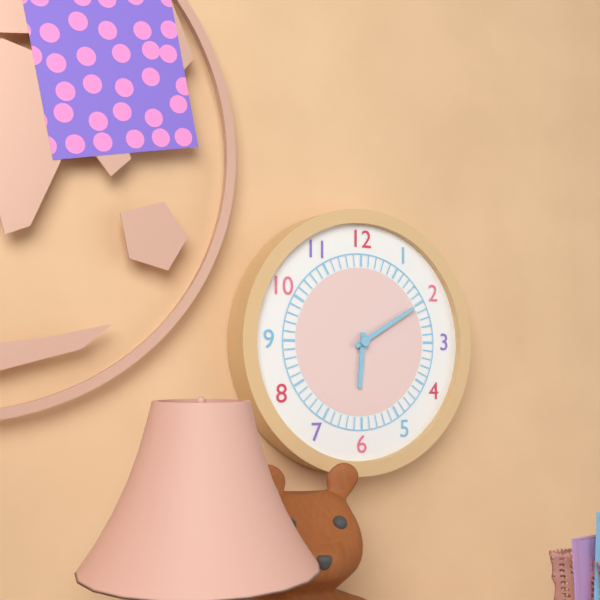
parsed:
6:10
